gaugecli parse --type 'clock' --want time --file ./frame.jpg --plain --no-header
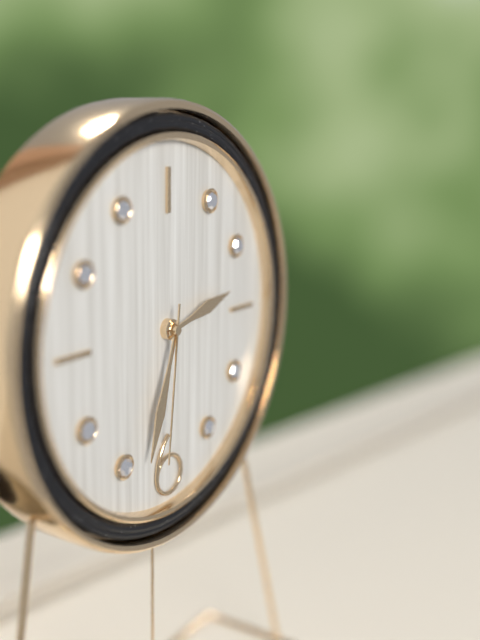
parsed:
2:33:31
